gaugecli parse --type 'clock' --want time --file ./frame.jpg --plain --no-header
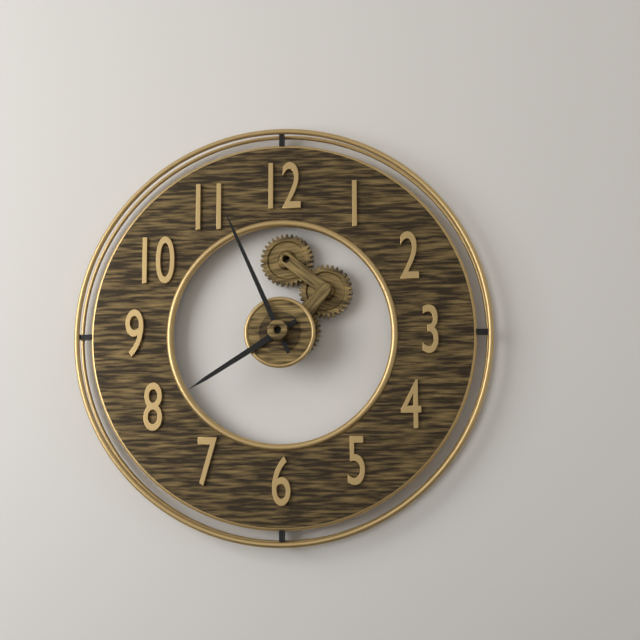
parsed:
7:56
